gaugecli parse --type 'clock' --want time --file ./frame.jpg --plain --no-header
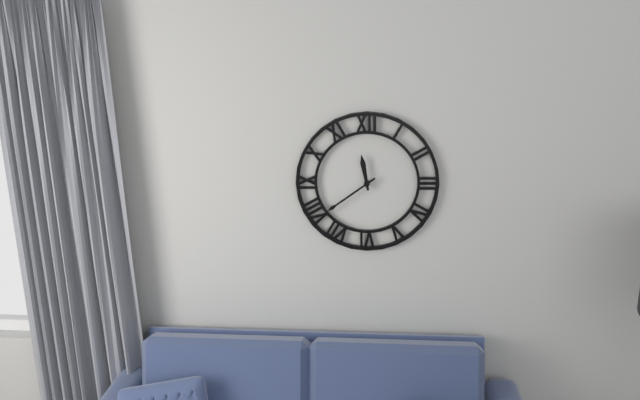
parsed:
11:39
